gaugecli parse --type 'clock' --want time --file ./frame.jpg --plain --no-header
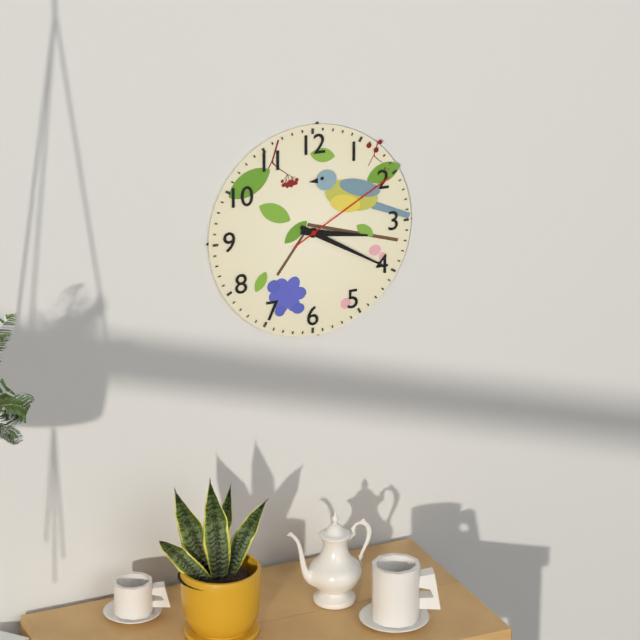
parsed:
3:20:10
